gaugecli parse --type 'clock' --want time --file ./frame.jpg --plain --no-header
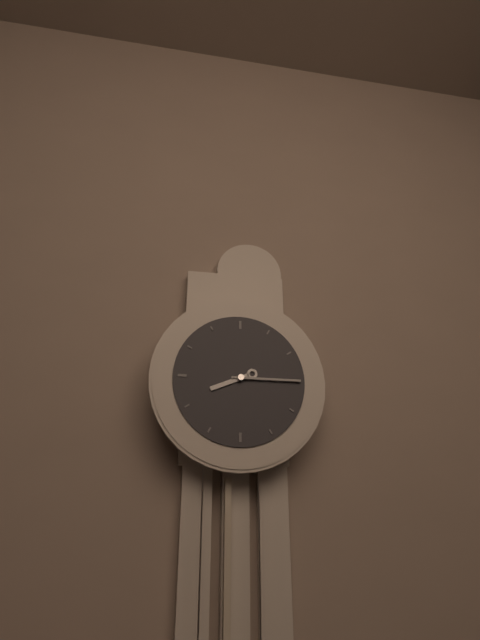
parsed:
8:15
